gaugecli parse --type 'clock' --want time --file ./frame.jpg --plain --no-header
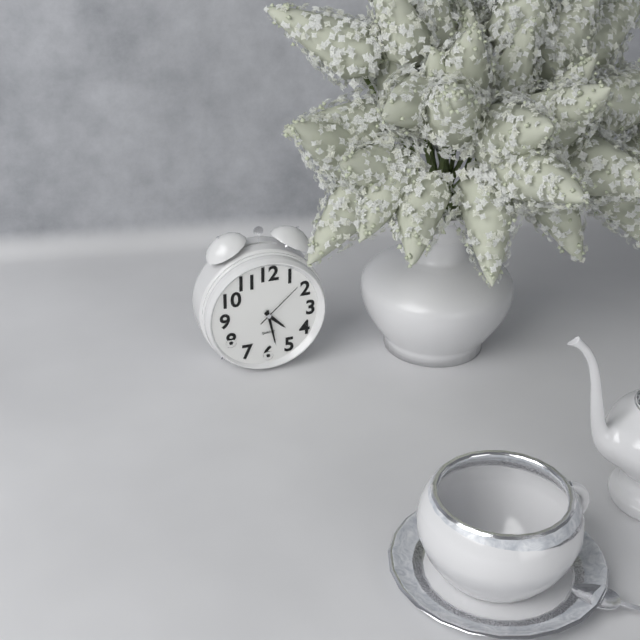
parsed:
4:28:08
